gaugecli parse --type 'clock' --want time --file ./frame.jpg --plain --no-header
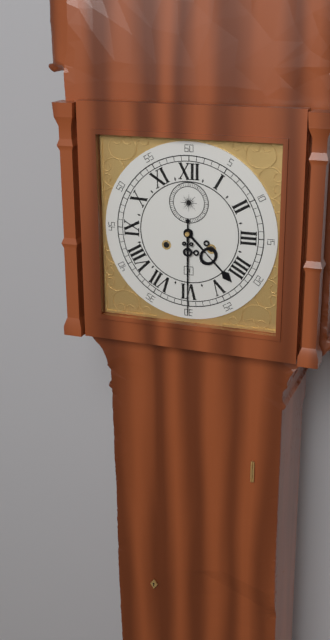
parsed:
4:30
